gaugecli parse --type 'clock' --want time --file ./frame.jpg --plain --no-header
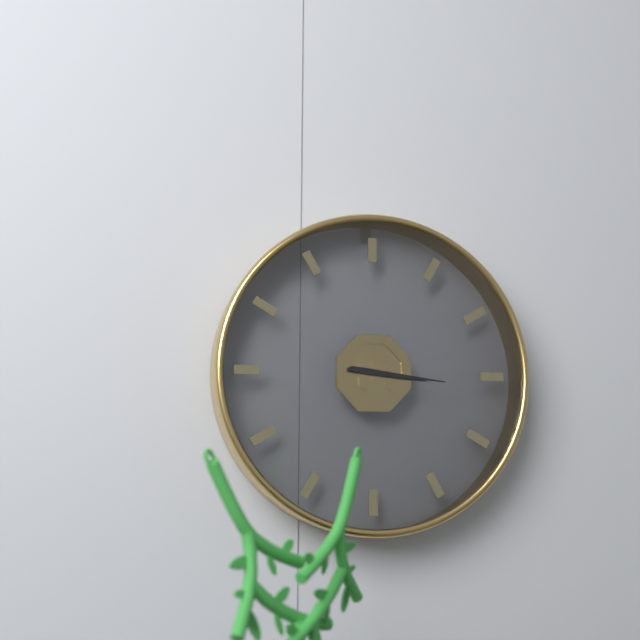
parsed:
3:16
